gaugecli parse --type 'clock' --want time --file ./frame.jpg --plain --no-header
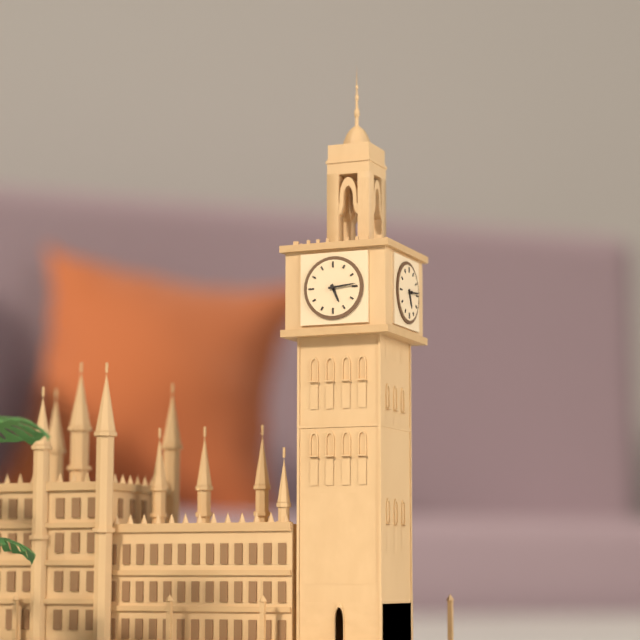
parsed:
5:14
